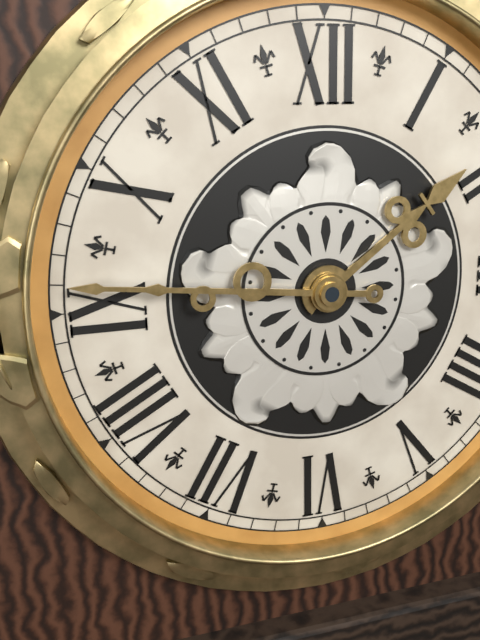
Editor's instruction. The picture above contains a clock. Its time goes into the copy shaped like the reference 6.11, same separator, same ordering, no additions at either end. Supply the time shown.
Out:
1.46
